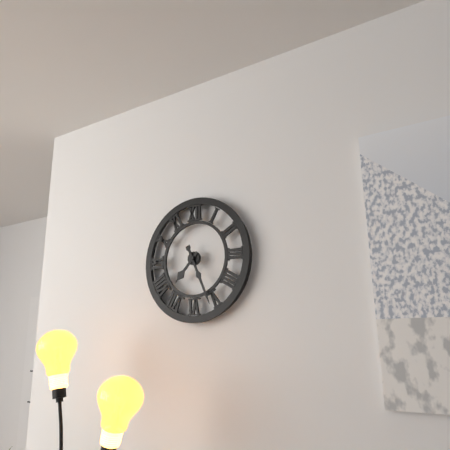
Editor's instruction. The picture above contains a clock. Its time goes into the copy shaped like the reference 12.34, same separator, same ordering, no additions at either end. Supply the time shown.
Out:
7.26
